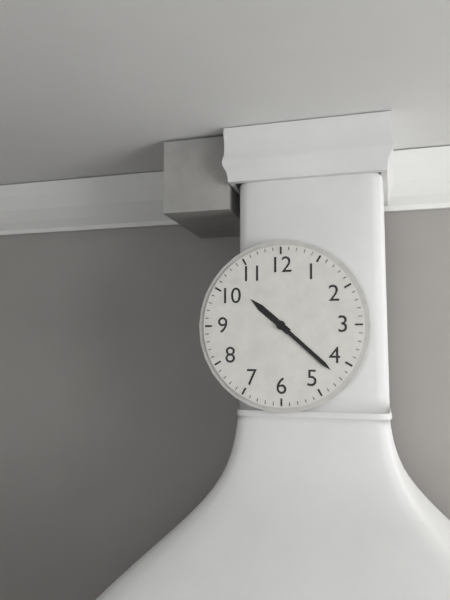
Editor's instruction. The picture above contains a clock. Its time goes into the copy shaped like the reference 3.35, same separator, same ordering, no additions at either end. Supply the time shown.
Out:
10.22
